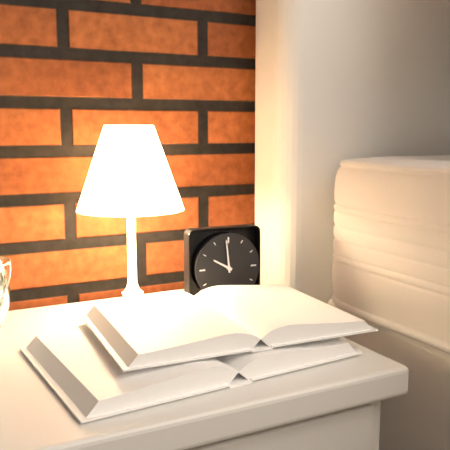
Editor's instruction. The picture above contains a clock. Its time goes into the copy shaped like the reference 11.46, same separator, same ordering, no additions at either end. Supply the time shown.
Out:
9.59
